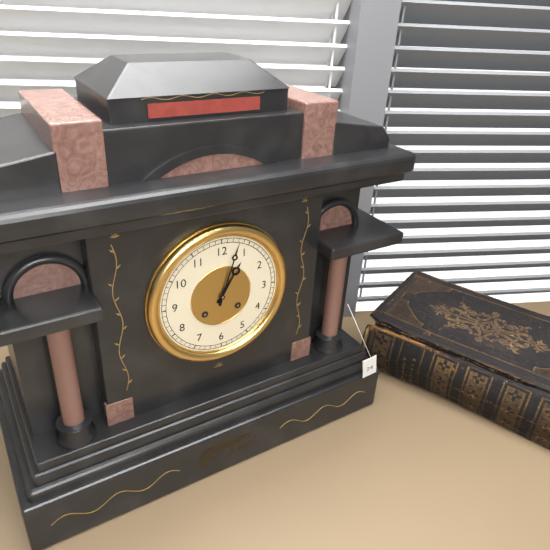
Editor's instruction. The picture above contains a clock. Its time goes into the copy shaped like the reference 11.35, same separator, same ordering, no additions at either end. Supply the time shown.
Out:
1.03
